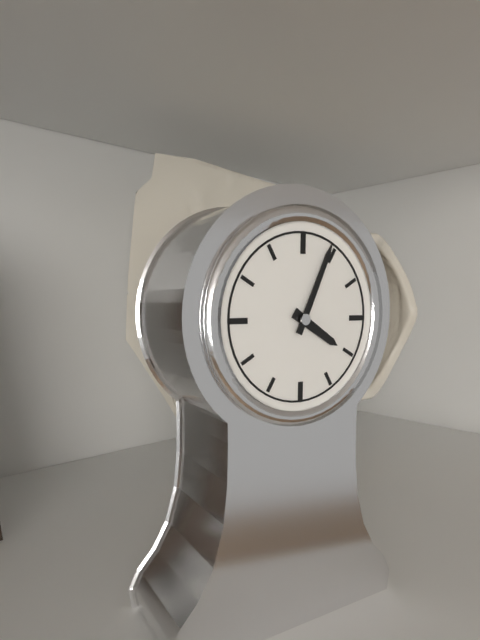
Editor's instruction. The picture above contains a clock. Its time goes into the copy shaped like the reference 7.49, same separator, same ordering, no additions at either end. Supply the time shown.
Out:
4.04
